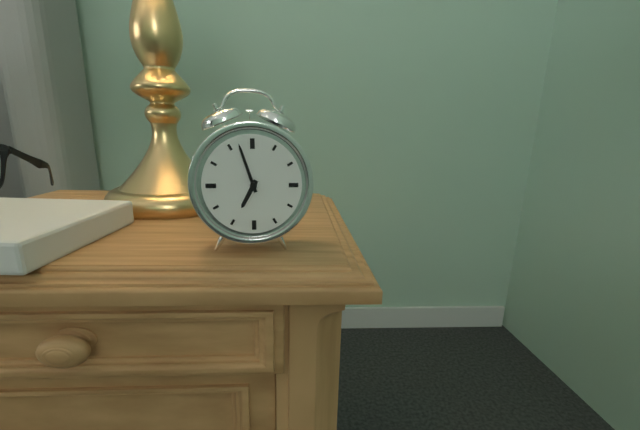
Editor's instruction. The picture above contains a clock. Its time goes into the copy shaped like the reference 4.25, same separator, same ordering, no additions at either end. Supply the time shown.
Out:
6.57
